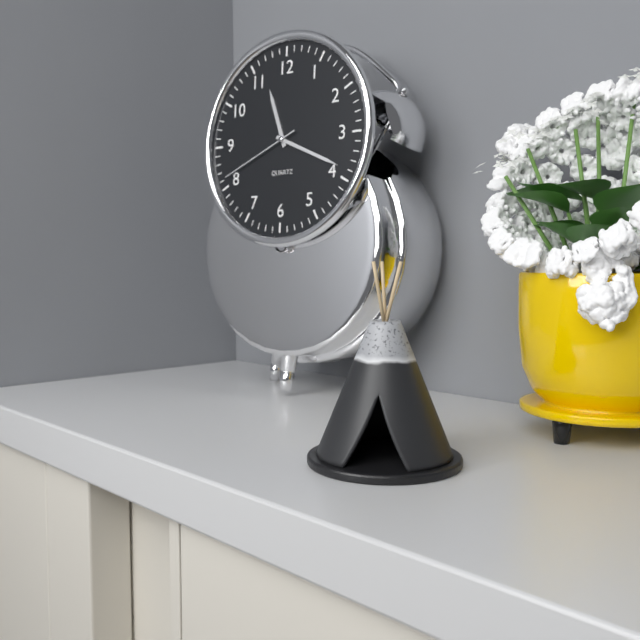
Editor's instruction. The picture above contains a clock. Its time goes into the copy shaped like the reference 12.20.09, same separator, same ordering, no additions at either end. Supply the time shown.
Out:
11.19.41
